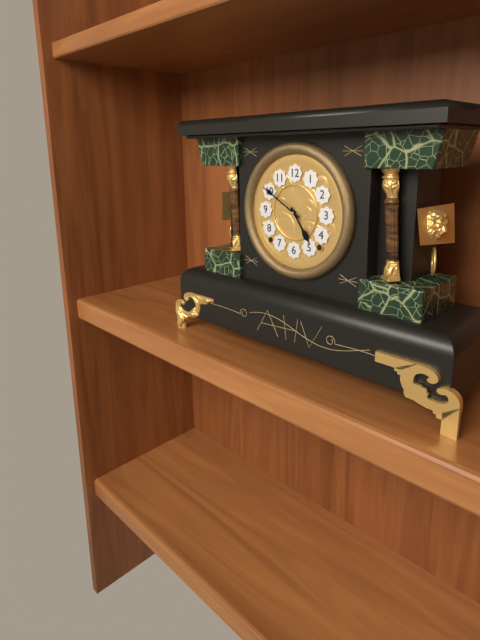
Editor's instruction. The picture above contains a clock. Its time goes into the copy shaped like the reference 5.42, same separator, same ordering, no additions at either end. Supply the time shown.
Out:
4.50
